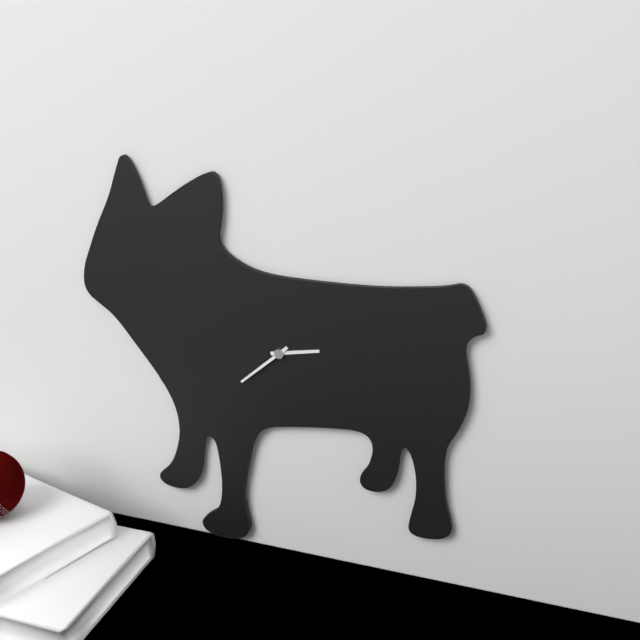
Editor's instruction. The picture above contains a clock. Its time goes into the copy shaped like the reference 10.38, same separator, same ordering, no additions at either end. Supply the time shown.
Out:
2.38
